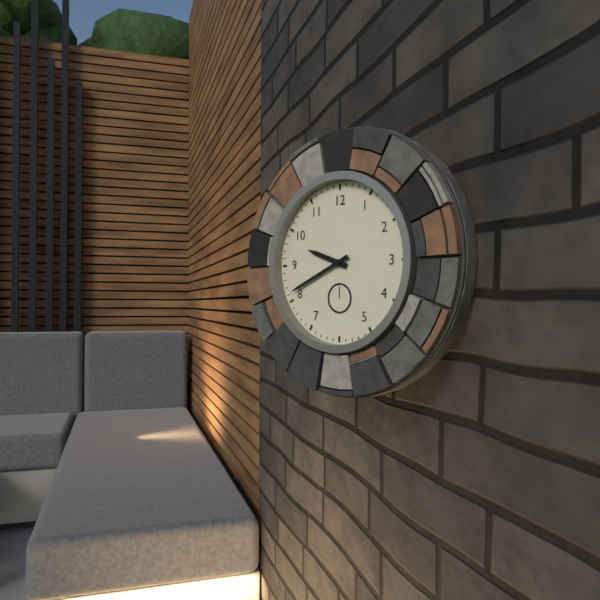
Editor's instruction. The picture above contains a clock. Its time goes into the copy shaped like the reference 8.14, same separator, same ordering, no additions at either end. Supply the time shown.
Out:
9.41
